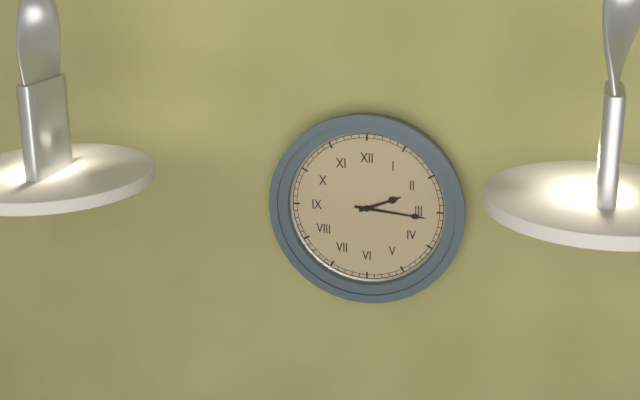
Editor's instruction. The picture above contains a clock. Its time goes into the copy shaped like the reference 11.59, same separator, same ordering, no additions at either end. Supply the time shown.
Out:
2.16
